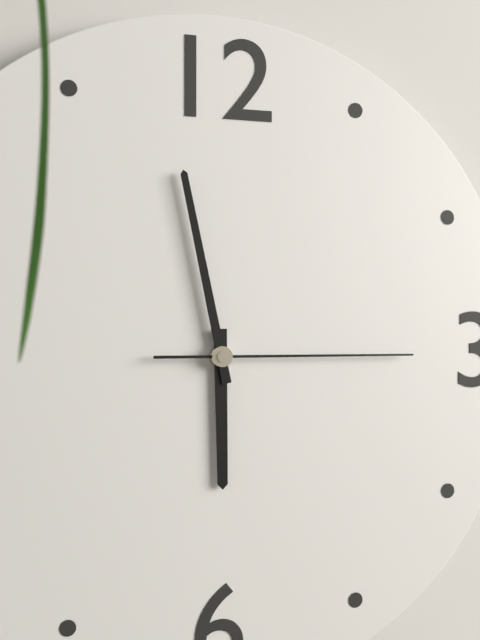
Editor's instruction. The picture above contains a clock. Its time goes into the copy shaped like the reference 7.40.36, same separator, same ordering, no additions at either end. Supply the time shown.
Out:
5.58.15
